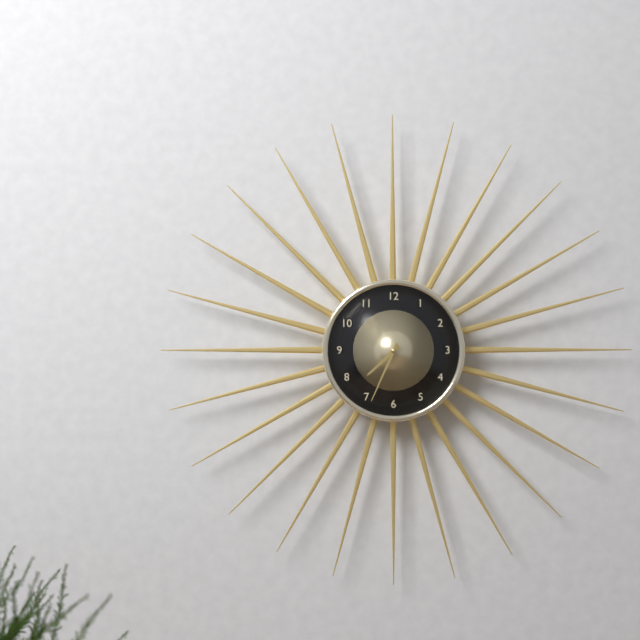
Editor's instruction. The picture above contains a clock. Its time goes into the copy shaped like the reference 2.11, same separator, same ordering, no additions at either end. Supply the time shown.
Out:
7.34
